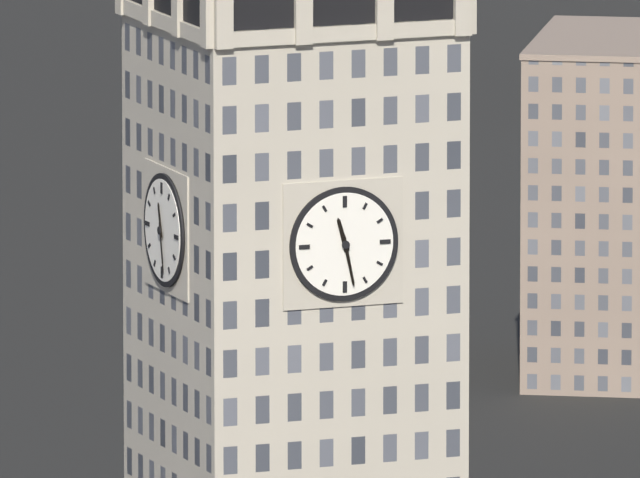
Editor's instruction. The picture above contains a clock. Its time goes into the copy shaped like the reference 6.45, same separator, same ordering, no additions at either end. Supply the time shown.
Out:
11.28
